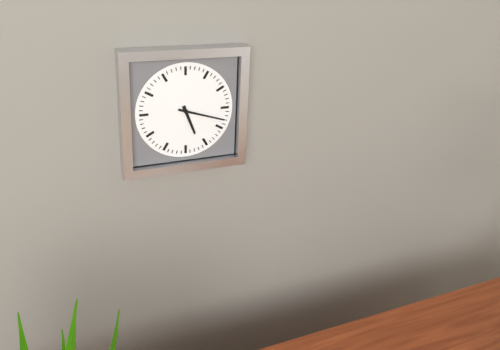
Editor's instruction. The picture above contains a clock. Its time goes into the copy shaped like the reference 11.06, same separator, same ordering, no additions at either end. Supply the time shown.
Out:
5.18
